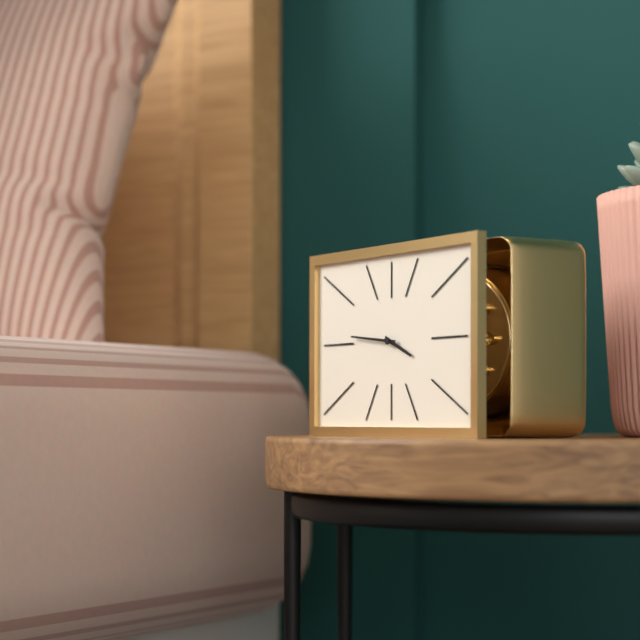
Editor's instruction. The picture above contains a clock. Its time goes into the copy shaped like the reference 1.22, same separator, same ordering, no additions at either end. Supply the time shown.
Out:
3.46
